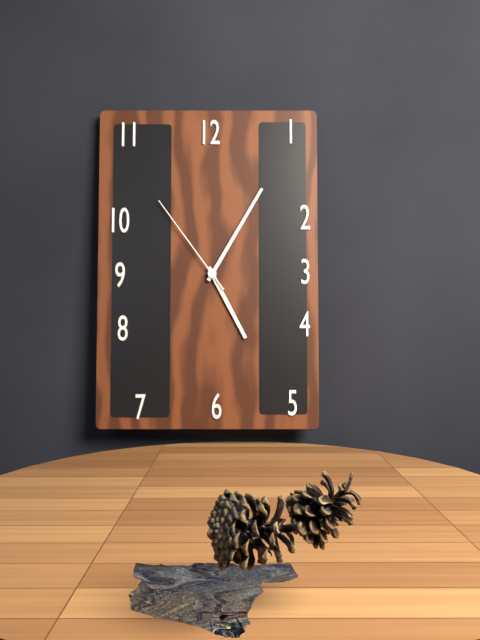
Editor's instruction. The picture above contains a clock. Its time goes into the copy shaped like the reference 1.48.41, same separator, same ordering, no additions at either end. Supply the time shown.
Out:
5.05.54
